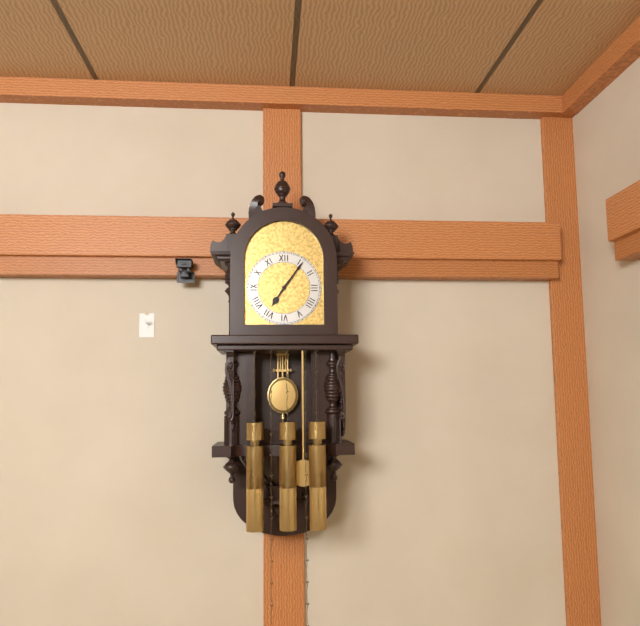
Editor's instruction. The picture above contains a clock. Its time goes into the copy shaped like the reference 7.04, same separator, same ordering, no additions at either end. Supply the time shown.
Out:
7.06
